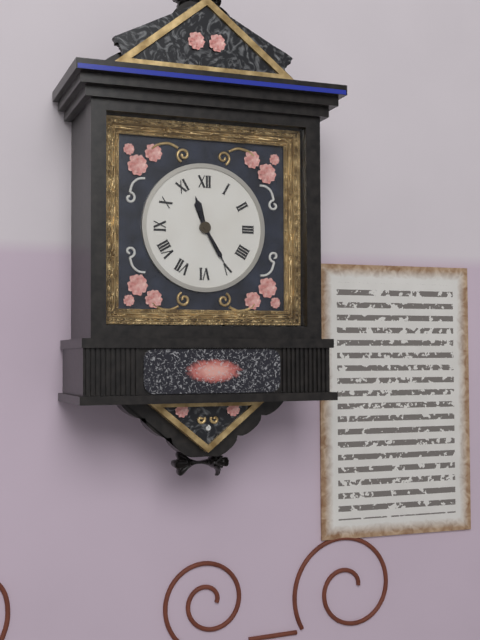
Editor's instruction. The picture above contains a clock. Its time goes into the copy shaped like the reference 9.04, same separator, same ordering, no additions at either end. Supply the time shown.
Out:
11.25
